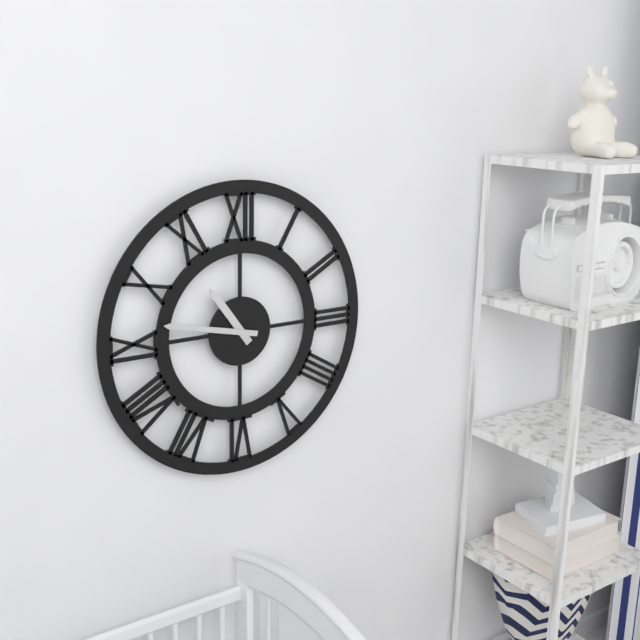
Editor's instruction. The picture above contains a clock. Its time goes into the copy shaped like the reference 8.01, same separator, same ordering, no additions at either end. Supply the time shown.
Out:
10.47
